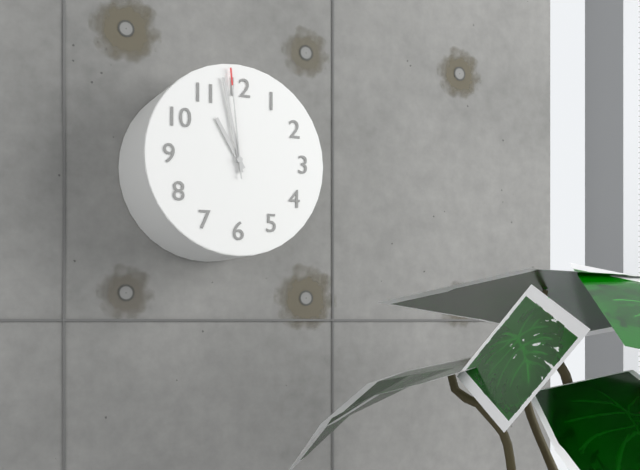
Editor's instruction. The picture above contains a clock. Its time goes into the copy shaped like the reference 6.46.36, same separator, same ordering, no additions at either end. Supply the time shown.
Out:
10.58.59
